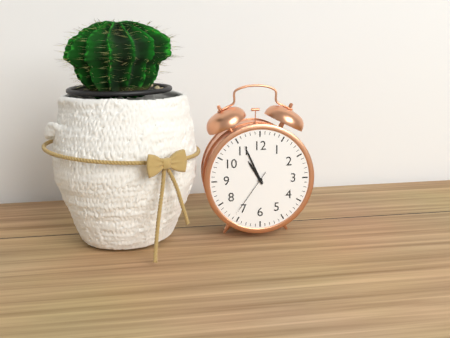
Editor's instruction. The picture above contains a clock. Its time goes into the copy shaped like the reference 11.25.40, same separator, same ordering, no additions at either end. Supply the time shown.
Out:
10.56.36
